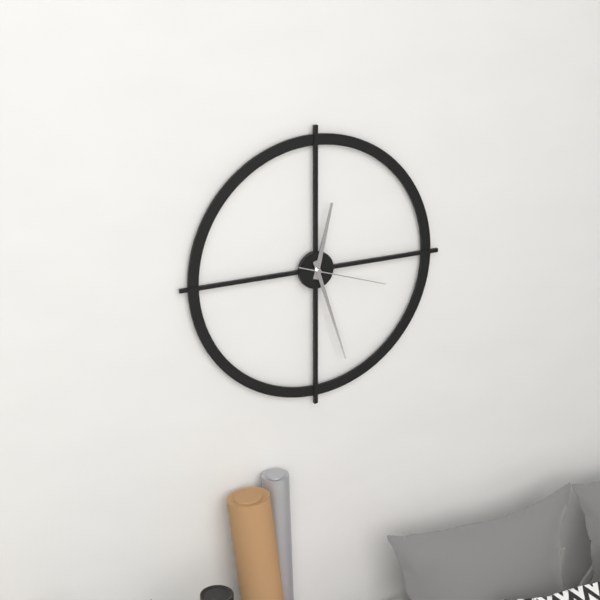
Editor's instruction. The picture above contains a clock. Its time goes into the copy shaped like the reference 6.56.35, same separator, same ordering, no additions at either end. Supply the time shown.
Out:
12.27.18
